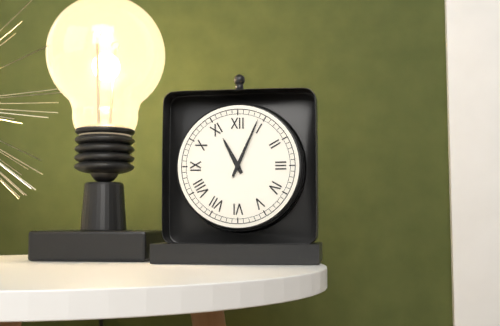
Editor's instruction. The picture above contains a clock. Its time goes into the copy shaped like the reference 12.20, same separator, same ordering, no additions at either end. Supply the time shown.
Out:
11.04
